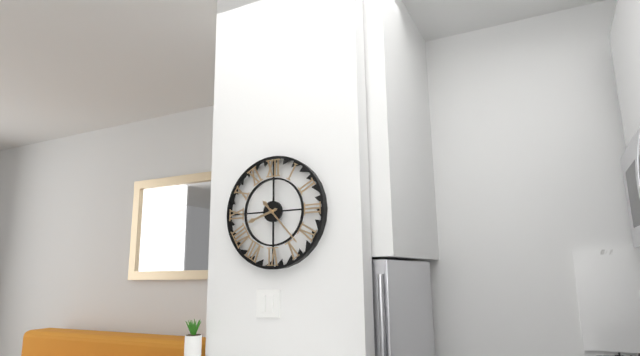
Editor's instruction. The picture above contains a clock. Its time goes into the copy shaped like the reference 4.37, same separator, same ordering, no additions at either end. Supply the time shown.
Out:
8.23
